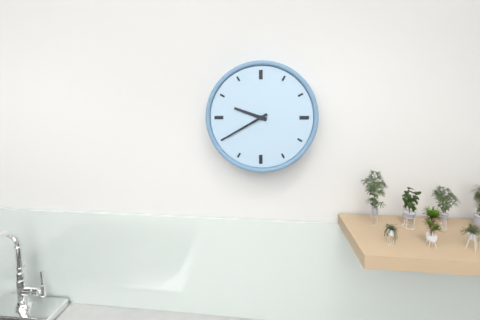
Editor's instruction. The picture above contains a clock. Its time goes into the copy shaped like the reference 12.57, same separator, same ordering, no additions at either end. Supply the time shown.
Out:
9.40
